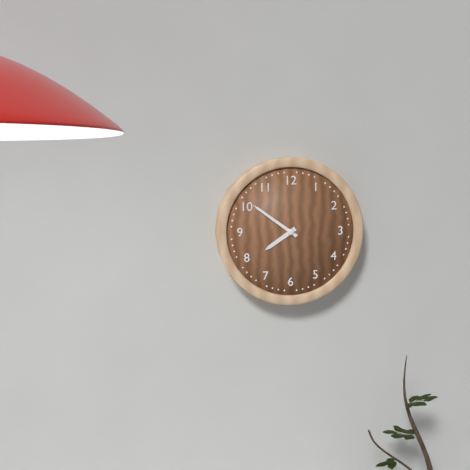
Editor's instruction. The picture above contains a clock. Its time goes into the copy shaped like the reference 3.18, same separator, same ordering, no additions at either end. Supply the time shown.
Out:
7.51
